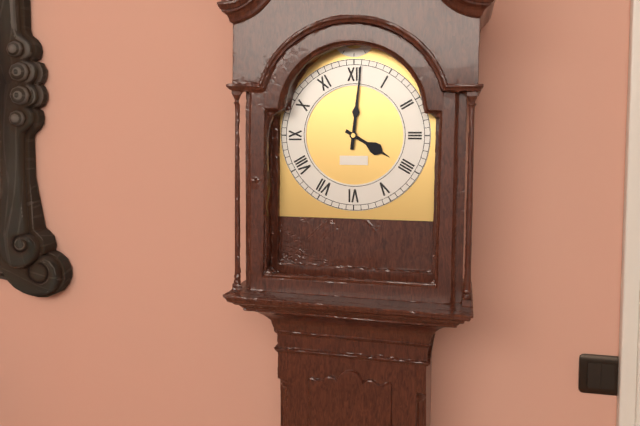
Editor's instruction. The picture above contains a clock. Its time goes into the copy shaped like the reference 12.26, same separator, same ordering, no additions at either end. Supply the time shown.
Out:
4.01
